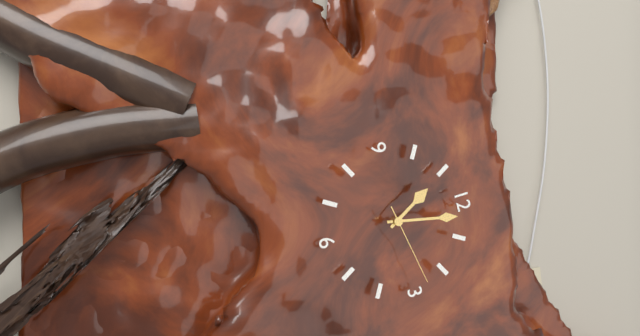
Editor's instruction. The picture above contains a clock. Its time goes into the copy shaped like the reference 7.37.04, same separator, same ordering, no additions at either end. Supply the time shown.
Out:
11.02.13
